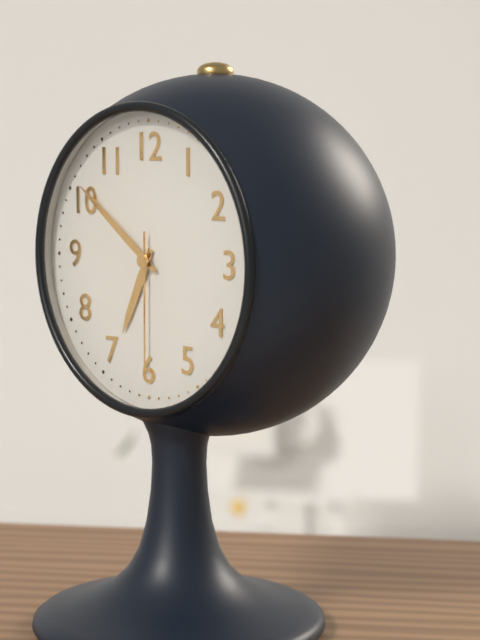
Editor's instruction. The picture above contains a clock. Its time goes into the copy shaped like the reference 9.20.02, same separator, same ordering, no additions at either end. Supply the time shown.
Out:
6.51.30
